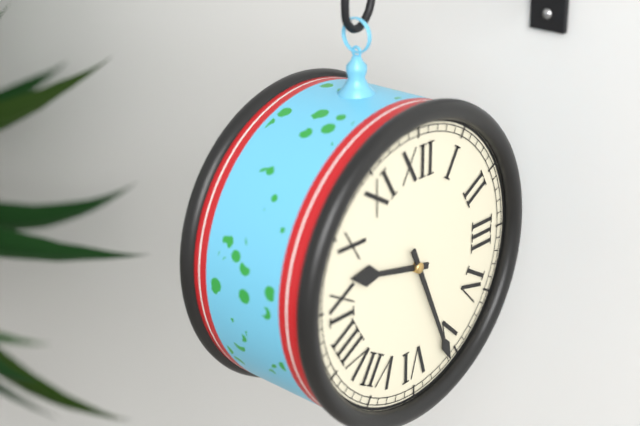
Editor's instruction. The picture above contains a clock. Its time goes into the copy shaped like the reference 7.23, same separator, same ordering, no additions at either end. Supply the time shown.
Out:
9.26
